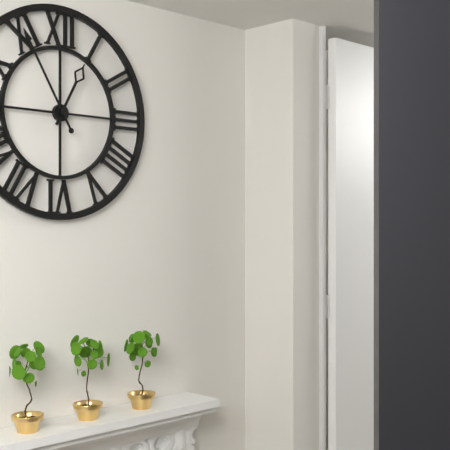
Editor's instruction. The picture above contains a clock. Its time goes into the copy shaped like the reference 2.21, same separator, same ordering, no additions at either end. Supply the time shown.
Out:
12.55
